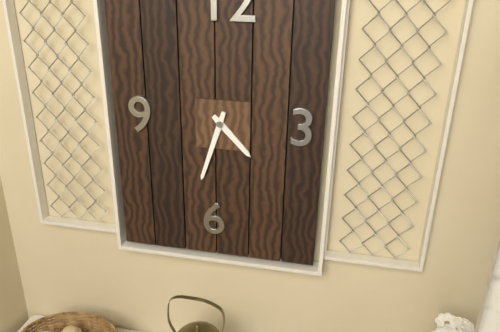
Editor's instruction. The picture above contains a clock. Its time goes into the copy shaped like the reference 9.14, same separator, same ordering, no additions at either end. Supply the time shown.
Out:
4.33
